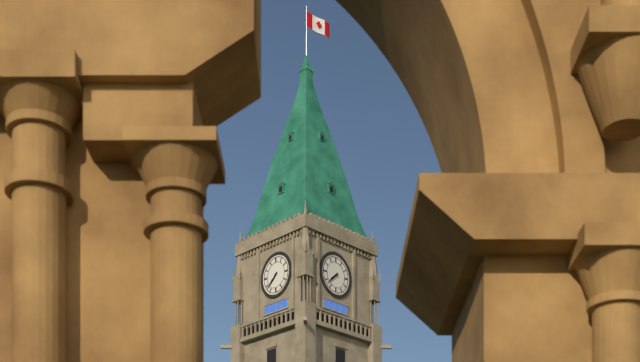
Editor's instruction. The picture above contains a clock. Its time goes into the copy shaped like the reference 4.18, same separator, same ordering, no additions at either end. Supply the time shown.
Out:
7.38
